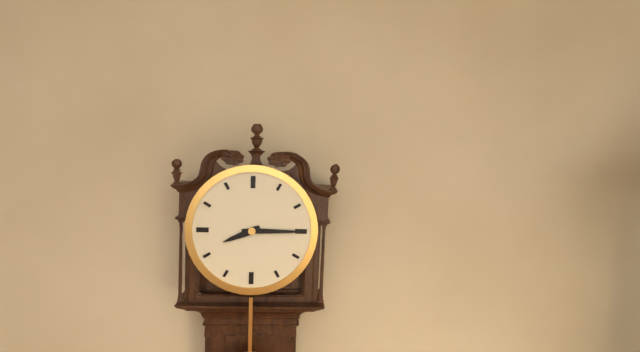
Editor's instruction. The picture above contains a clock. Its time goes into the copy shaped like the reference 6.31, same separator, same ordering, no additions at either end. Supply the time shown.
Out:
8.15
